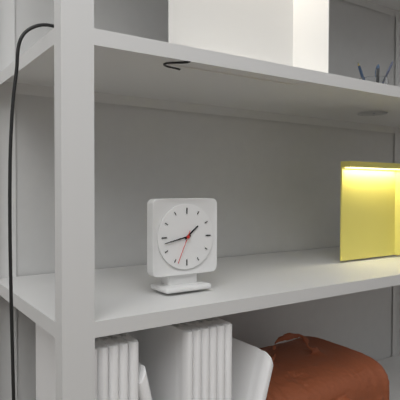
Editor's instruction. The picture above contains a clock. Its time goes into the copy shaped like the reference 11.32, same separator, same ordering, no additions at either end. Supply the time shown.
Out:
1.43
